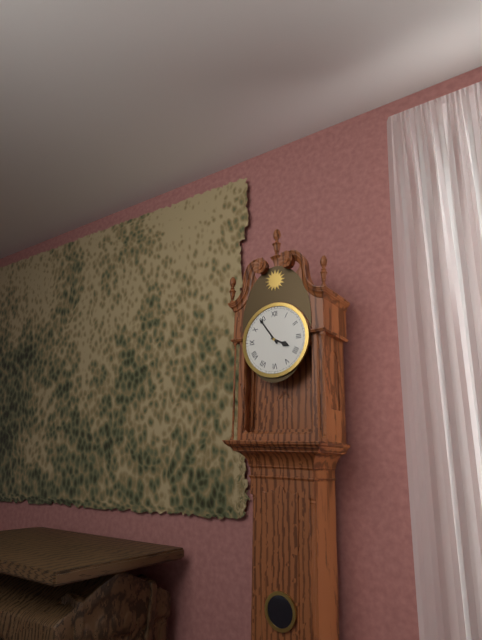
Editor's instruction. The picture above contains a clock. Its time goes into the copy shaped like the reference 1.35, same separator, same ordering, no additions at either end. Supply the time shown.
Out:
3.54
